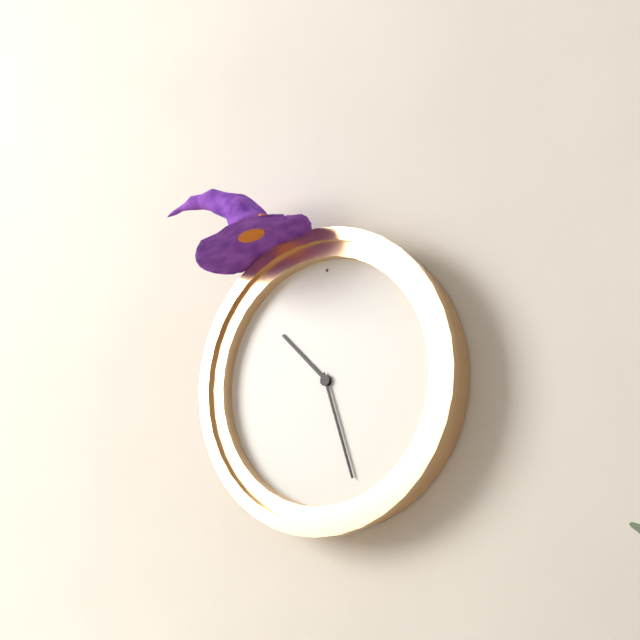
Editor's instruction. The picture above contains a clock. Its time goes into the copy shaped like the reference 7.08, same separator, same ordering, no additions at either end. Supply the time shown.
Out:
10.27
